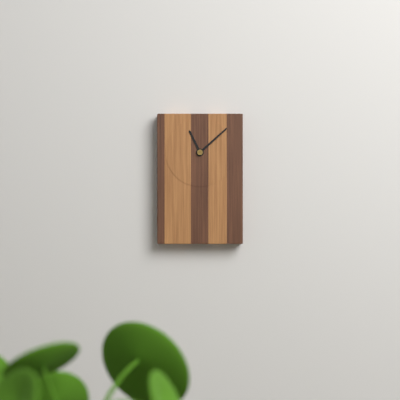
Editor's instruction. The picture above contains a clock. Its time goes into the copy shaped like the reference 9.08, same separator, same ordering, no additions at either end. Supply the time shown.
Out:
11.08
